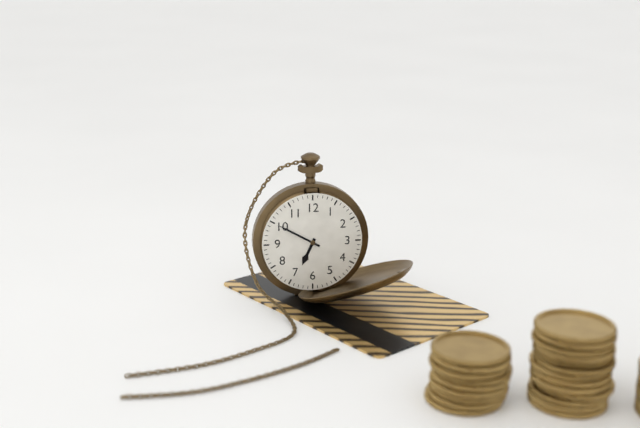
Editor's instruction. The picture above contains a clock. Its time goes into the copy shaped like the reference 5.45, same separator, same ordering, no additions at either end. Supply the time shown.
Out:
6.50
